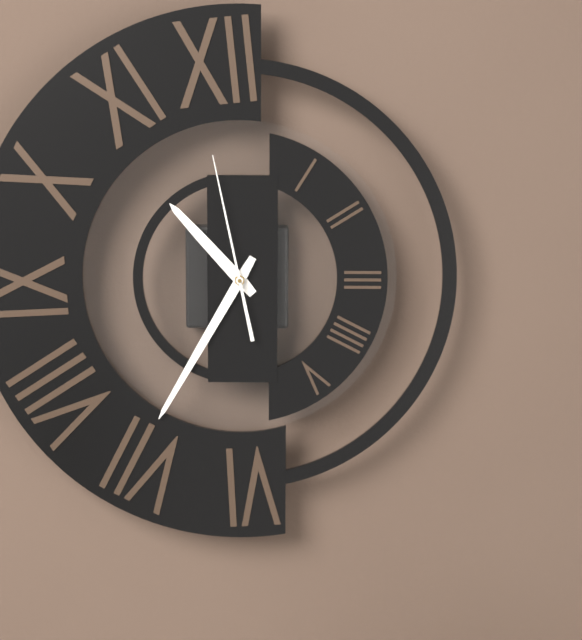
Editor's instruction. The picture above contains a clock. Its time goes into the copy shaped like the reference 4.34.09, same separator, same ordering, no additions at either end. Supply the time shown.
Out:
10.35.58
